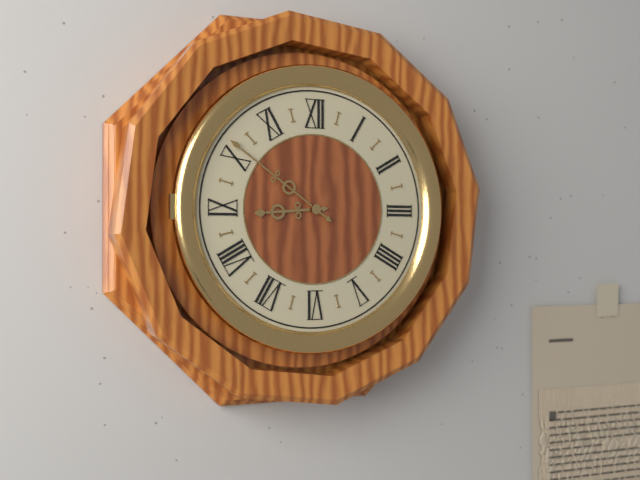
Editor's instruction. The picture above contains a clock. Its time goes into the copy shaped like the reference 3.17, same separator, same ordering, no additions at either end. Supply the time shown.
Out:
8.51
